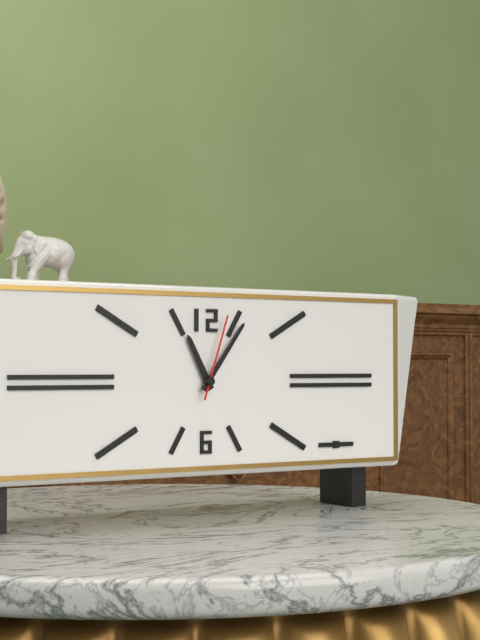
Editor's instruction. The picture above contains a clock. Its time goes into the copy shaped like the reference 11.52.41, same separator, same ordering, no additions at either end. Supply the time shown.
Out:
11.06.03
